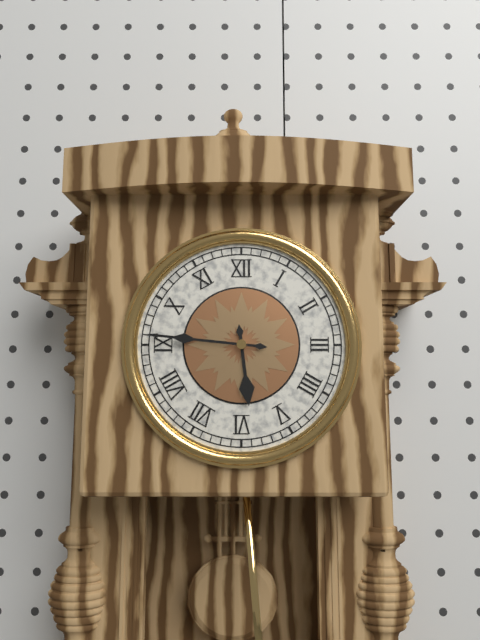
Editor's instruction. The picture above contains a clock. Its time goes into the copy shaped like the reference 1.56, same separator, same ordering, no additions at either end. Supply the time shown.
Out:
5.46
